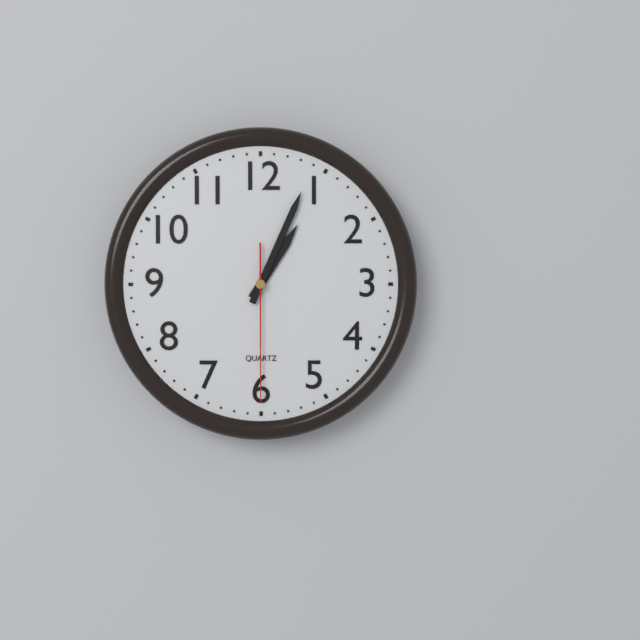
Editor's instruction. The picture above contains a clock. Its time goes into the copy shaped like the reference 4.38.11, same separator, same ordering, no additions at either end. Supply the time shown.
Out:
1.04.30
